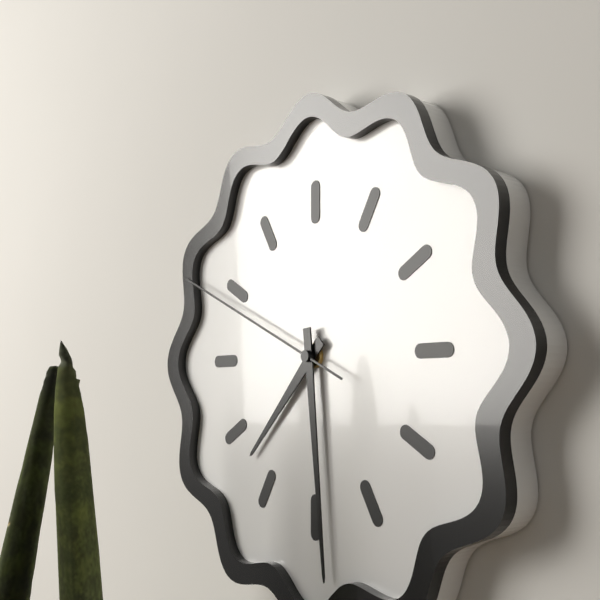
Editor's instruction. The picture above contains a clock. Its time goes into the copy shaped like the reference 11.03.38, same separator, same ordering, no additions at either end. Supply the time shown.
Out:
7.29.49
